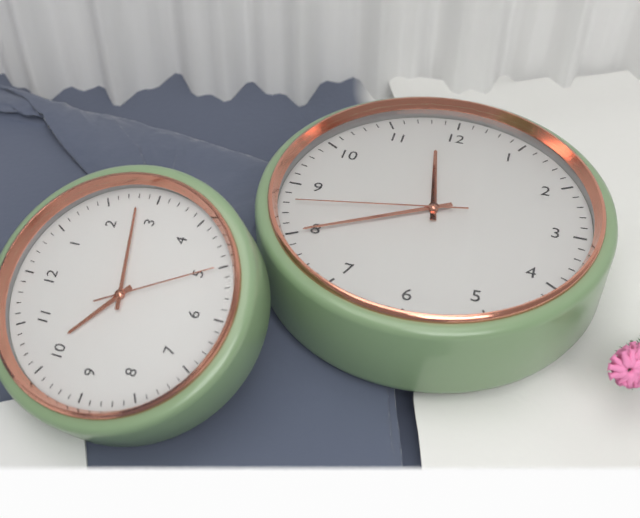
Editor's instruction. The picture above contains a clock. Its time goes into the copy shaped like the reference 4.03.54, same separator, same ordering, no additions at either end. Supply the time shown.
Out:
11.40.43
